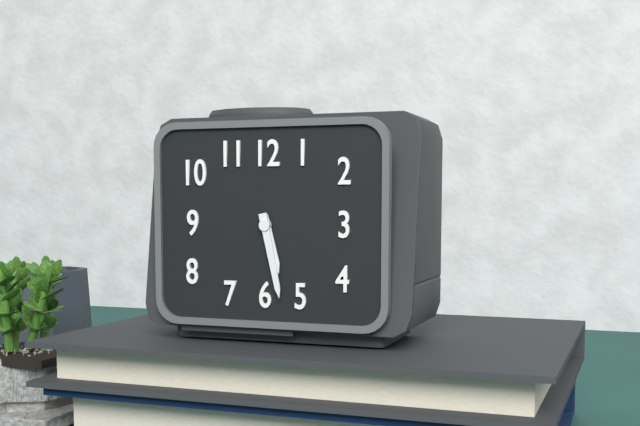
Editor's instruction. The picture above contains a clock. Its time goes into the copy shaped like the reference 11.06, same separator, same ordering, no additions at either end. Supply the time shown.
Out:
5.28
